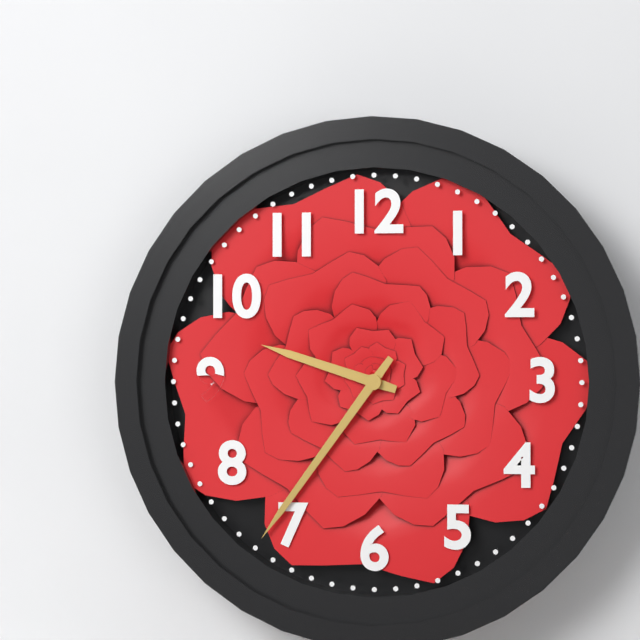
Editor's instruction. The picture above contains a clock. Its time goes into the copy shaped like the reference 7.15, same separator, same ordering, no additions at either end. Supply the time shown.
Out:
9.36
